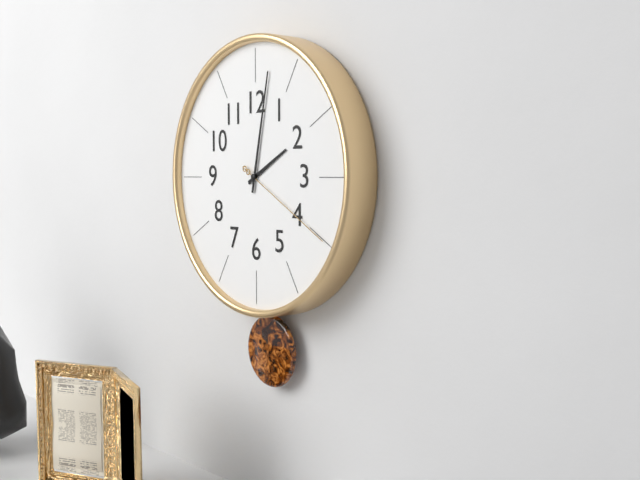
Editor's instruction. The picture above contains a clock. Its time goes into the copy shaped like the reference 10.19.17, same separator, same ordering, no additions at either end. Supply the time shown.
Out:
2.02.20
